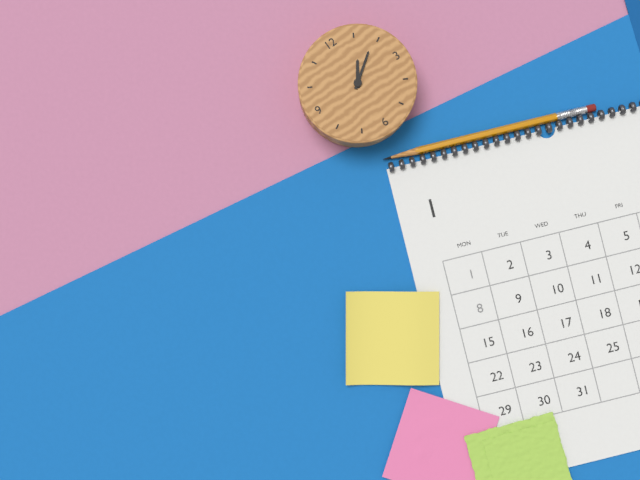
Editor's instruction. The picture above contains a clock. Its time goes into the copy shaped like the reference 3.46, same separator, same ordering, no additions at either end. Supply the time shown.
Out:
1.09
